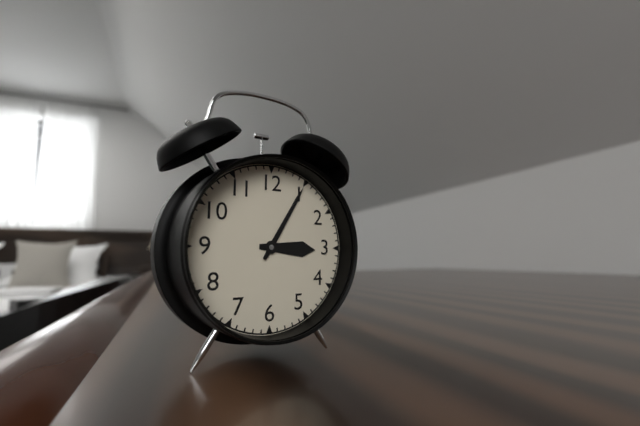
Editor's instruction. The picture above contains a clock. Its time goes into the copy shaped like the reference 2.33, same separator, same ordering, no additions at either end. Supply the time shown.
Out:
3.05
